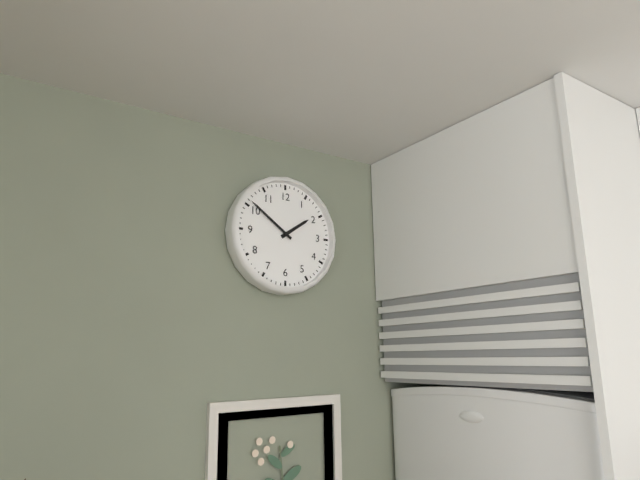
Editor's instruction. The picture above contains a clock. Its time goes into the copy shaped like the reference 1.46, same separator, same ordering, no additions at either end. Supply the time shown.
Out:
1.51
